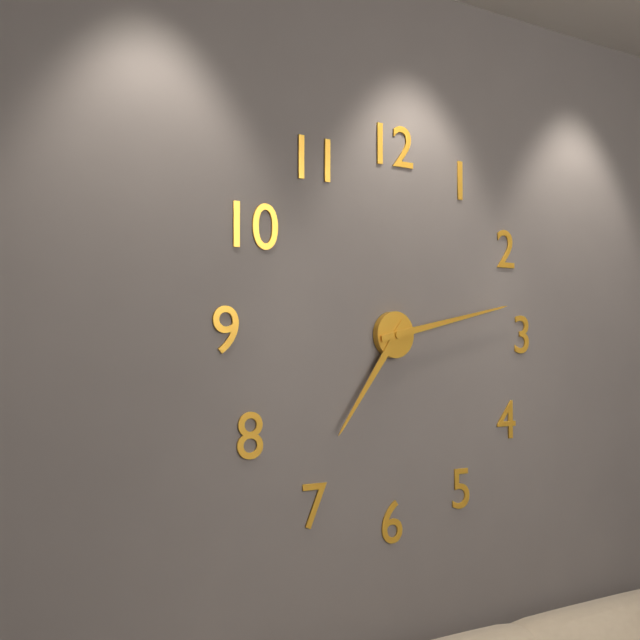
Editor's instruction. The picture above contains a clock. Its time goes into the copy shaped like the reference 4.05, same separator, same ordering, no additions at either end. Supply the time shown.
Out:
7.13
